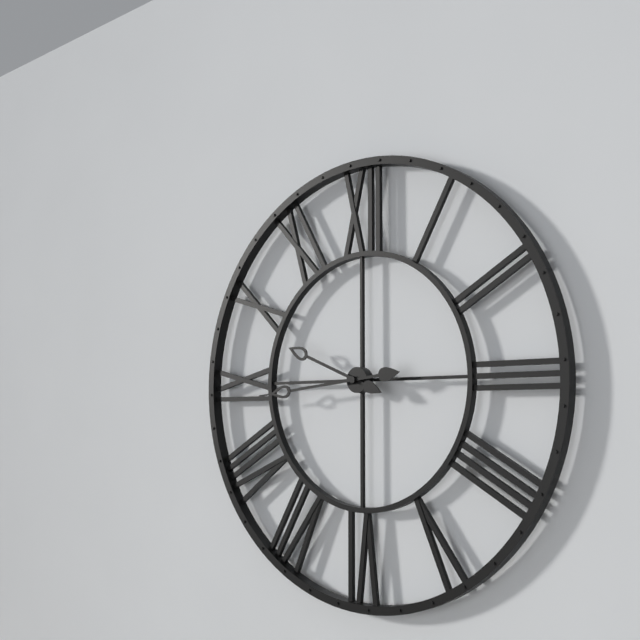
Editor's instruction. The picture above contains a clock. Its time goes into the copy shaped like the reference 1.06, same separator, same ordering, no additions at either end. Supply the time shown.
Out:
9.44
